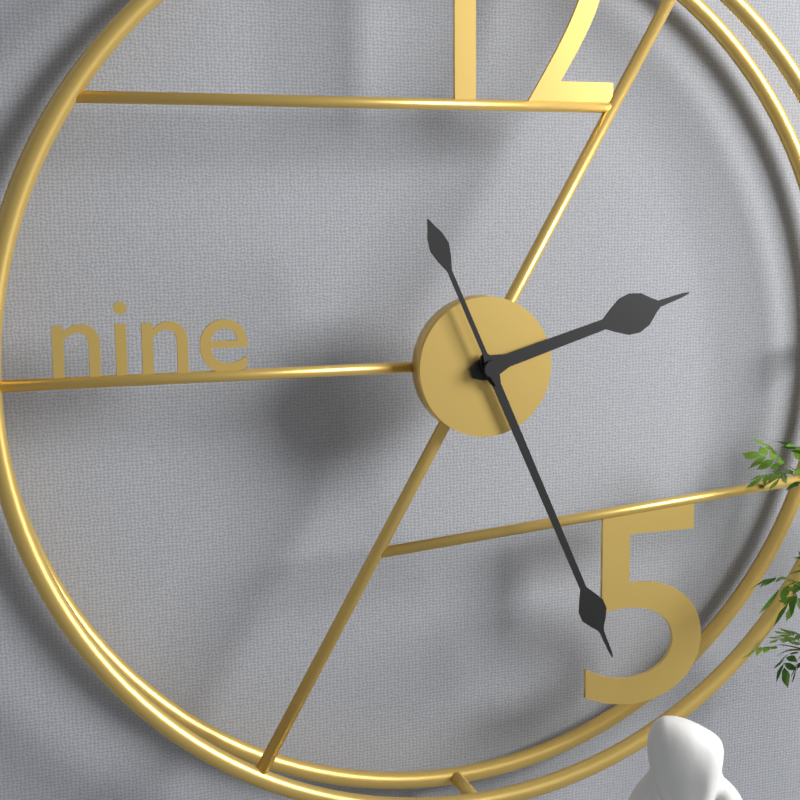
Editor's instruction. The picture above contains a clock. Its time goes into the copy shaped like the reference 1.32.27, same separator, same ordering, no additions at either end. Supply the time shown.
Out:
2.26.56
